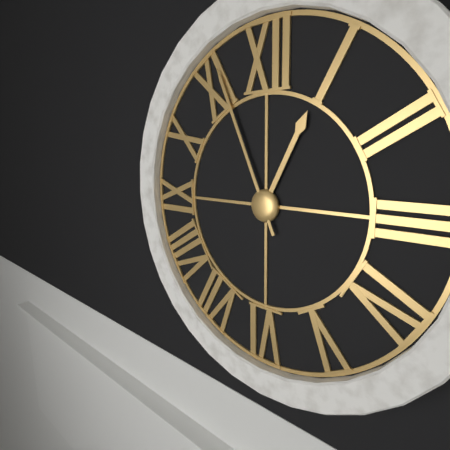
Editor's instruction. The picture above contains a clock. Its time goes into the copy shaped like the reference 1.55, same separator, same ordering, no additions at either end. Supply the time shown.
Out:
12.56
